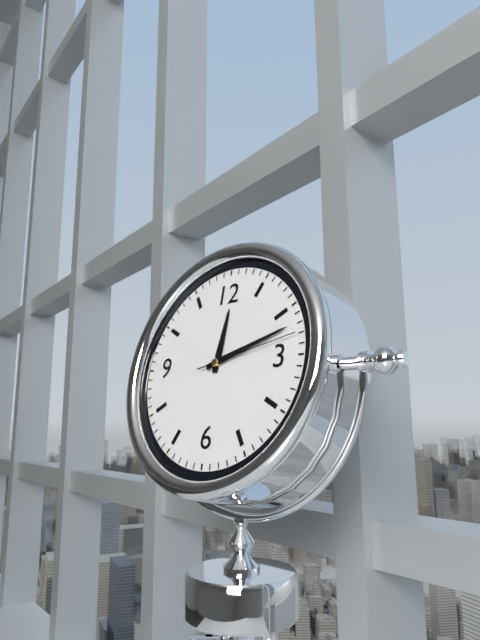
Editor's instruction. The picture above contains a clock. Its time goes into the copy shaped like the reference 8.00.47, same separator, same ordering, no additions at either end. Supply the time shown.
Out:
12.12.13
